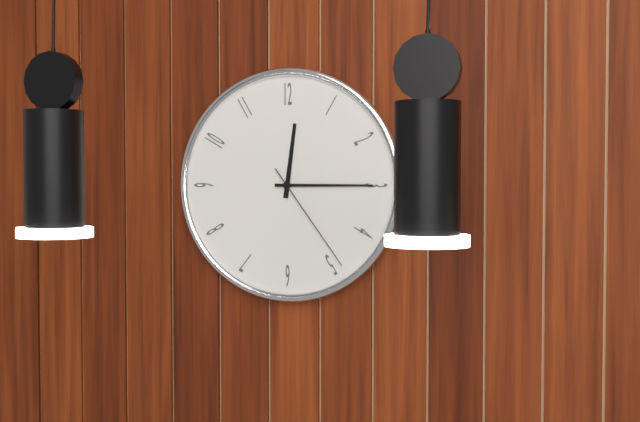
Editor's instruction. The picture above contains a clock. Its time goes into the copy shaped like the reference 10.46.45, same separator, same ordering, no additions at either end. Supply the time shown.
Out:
12.15.24
